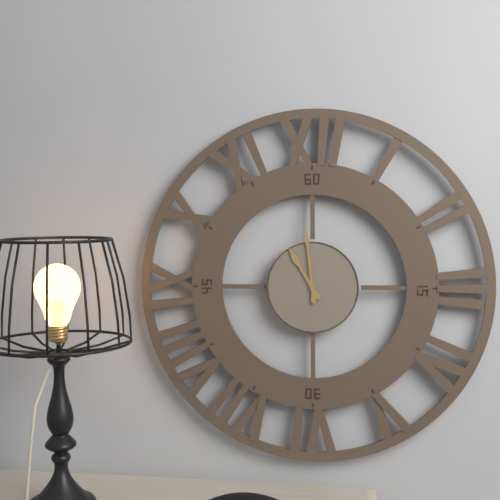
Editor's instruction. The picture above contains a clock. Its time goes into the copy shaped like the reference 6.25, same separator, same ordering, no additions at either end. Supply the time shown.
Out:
10.59
